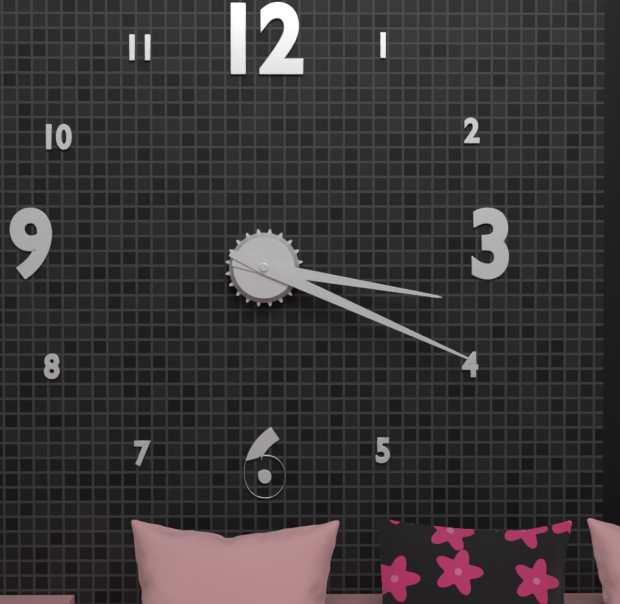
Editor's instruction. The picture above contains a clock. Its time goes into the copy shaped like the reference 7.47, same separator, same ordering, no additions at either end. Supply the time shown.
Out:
3.19
